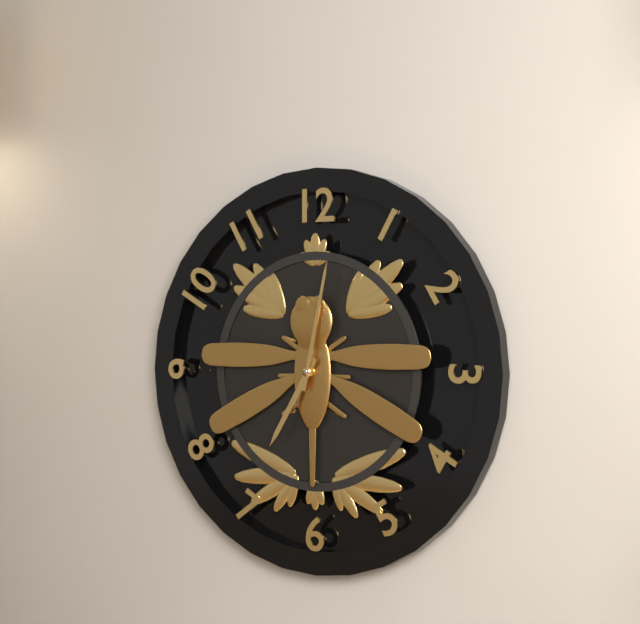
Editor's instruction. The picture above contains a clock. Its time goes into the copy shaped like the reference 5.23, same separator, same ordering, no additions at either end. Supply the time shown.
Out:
7.02
